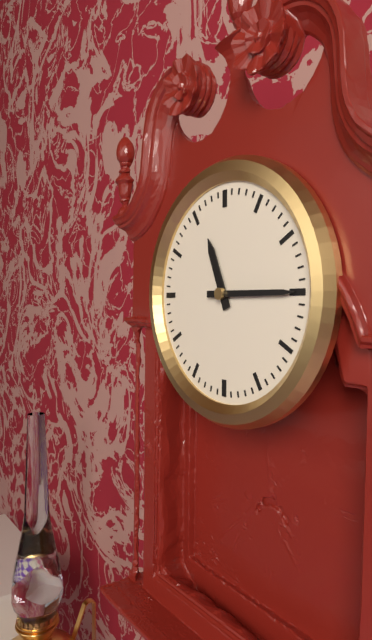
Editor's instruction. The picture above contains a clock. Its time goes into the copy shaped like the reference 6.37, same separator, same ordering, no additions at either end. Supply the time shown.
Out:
11.15
